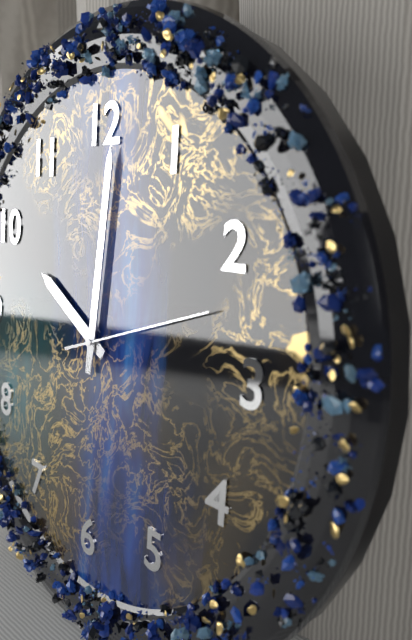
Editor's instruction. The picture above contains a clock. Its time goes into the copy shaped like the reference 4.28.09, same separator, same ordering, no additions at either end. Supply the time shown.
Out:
10.01.12
